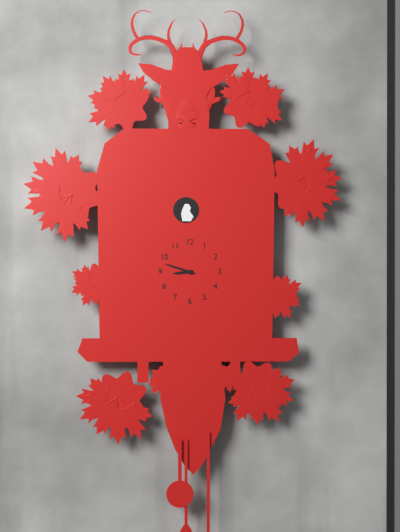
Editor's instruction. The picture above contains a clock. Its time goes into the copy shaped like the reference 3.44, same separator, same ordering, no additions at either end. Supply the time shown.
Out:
8.48
